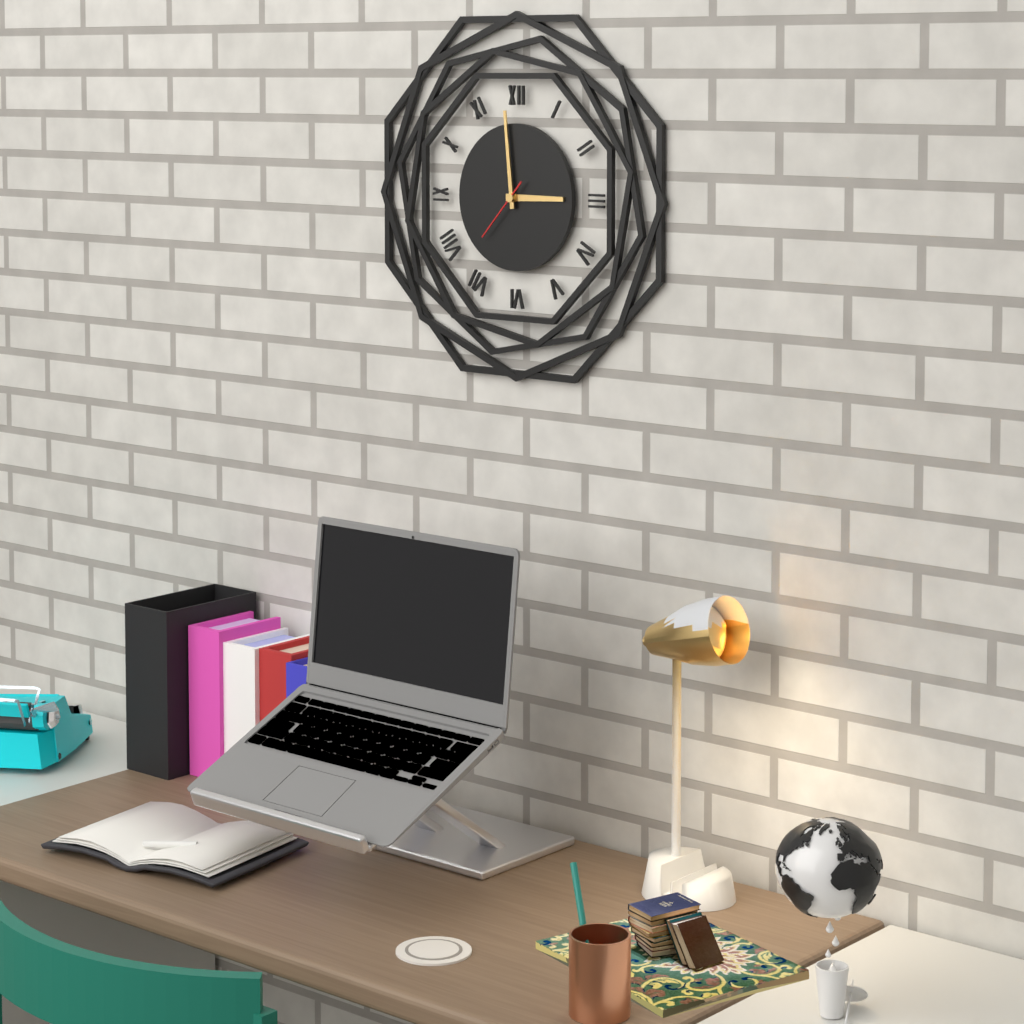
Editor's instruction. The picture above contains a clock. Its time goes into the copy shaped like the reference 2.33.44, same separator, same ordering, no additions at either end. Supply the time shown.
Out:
2.59.37
